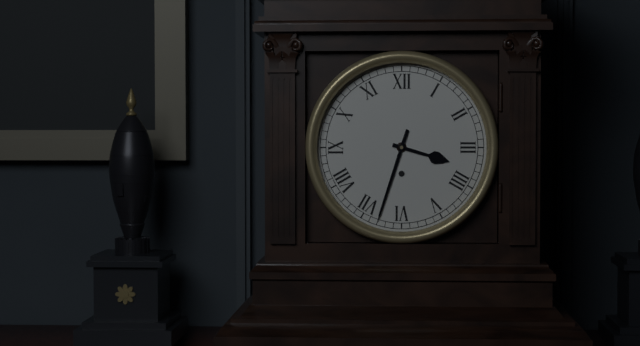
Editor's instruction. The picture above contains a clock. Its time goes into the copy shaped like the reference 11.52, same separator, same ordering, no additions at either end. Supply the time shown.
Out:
3.33
